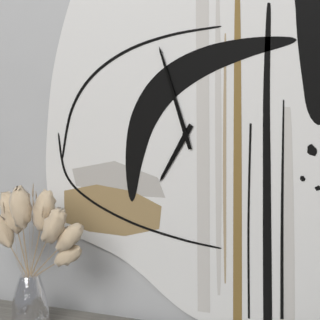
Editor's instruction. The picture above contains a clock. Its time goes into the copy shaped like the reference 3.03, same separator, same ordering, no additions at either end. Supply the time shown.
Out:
6.57
